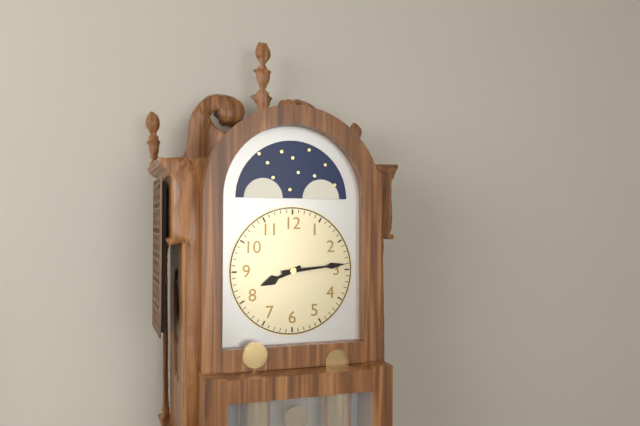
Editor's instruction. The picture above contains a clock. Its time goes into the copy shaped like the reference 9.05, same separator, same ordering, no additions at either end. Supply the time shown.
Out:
8.14
